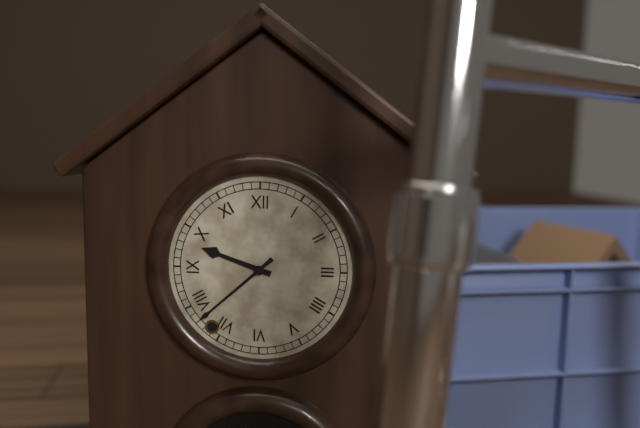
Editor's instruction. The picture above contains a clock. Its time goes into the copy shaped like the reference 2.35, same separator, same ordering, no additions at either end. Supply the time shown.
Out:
9.38
